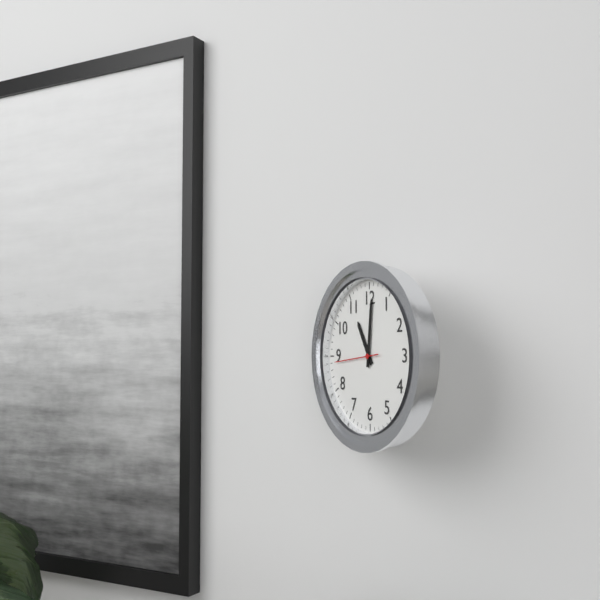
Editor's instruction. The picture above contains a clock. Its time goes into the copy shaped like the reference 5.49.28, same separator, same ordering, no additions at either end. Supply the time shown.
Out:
11.01.44
